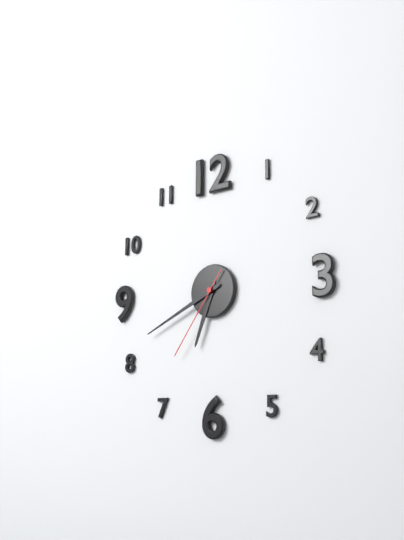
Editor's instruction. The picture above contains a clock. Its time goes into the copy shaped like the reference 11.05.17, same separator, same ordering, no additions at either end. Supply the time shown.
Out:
6.41.36
